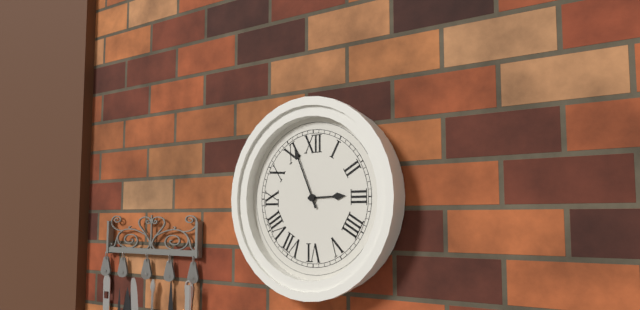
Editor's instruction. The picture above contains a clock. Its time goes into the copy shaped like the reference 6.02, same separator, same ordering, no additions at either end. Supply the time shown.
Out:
2.56
